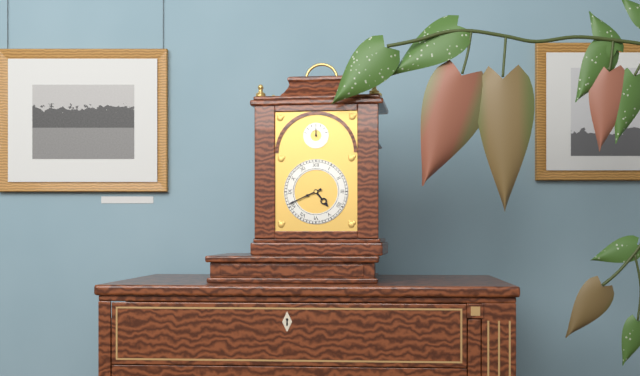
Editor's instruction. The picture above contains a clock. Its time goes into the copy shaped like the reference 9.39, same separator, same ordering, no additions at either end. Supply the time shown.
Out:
4.41
